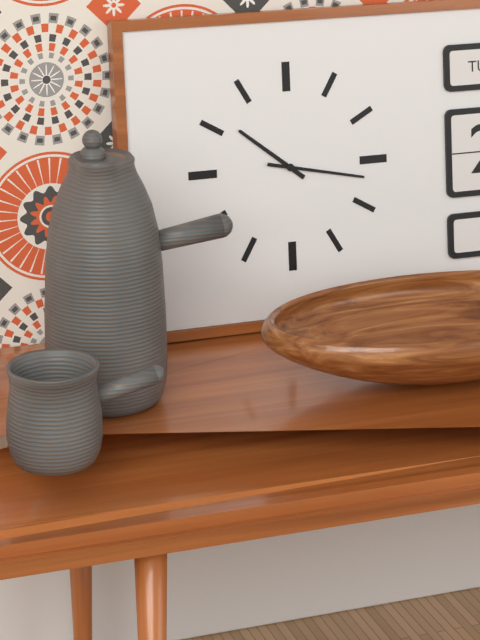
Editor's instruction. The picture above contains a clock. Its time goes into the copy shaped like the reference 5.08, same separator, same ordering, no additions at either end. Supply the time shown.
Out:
10.17
